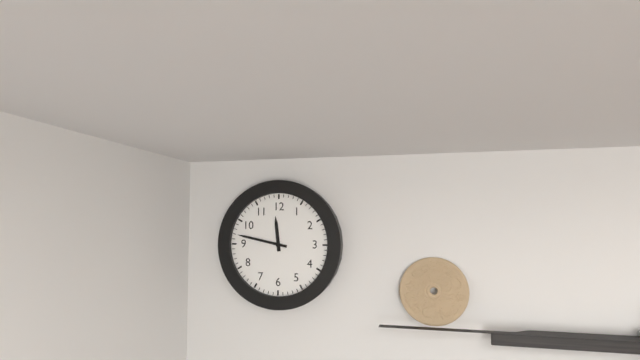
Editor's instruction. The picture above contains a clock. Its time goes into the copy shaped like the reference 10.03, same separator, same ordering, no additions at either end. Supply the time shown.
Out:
11.47
